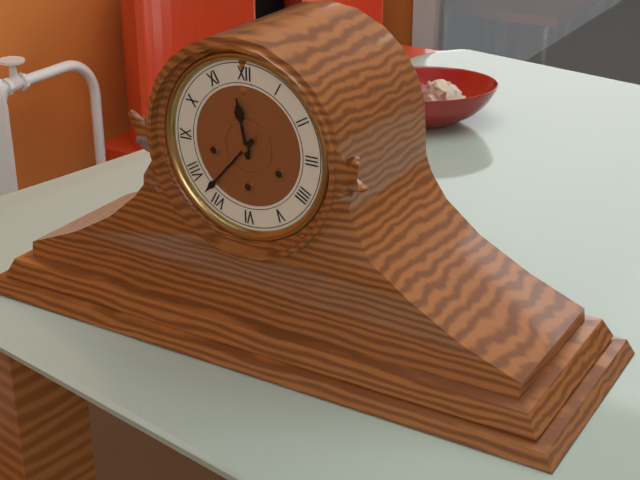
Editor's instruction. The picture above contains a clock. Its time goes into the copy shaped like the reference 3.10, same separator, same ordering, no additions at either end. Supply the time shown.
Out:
11.37
